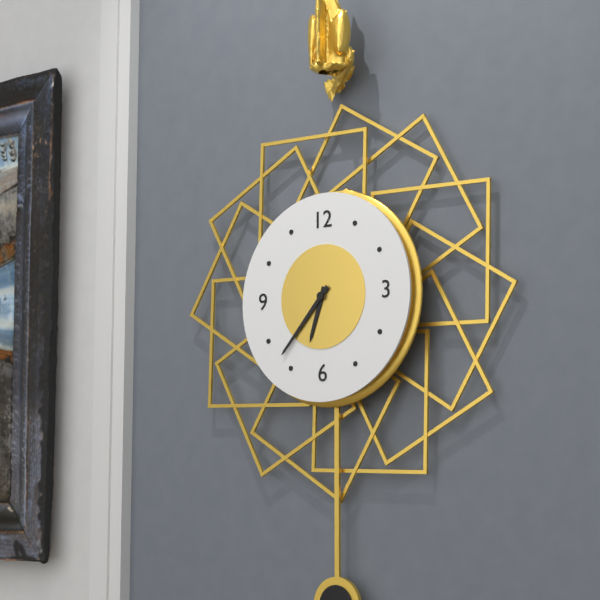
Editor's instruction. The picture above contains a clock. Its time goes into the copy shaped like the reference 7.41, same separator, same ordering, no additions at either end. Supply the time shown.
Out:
6.37
